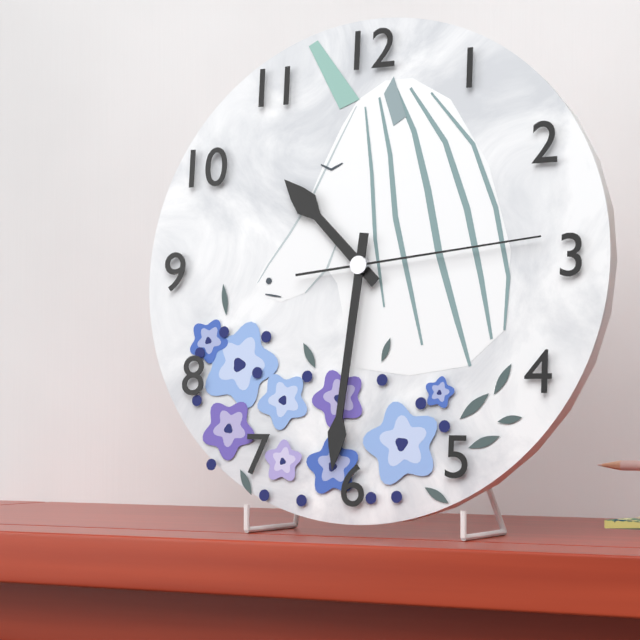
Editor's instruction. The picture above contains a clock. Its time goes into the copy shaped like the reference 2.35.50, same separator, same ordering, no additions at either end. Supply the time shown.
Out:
10.31.14
